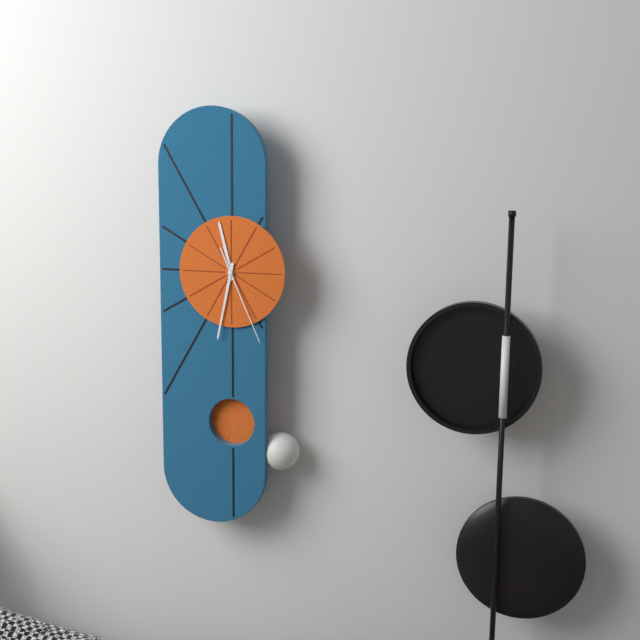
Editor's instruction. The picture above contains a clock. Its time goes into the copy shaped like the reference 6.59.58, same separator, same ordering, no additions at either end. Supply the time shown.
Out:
11.32.26
